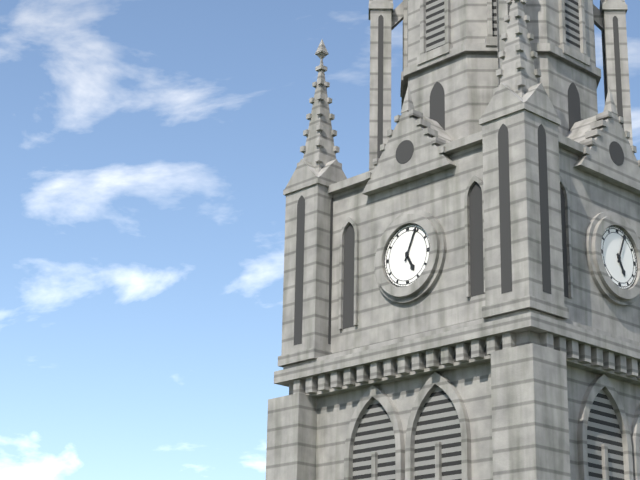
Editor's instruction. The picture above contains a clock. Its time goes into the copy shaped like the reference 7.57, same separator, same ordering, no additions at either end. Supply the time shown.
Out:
5.04
